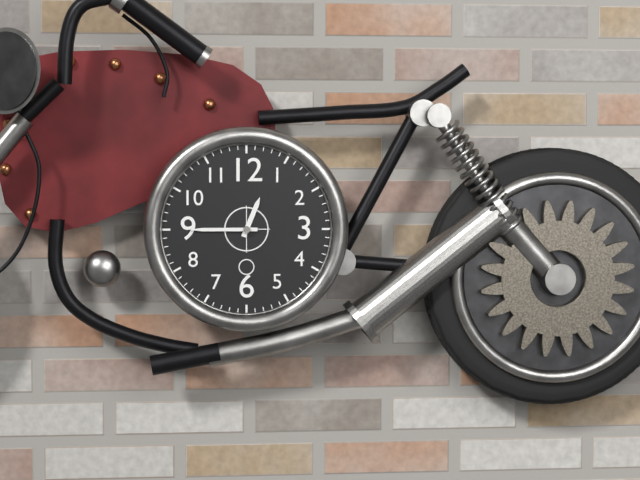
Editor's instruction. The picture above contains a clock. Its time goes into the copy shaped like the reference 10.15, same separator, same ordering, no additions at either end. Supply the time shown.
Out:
12.45
